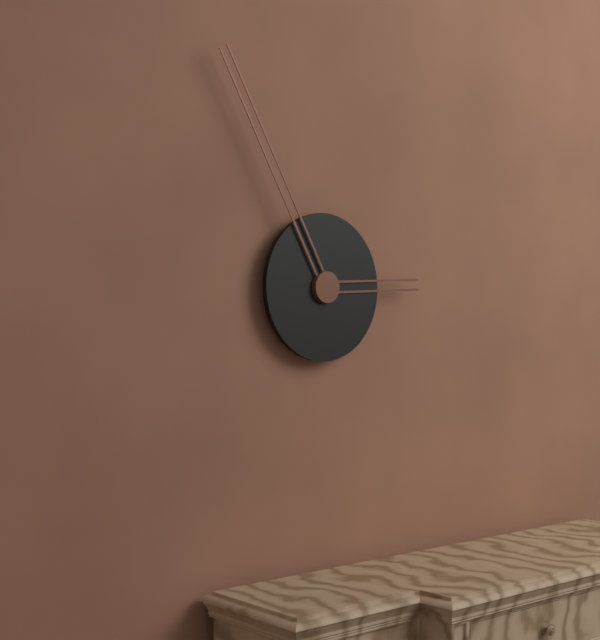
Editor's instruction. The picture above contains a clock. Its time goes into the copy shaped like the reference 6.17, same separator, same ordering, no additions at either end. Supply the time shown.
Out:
2.55
